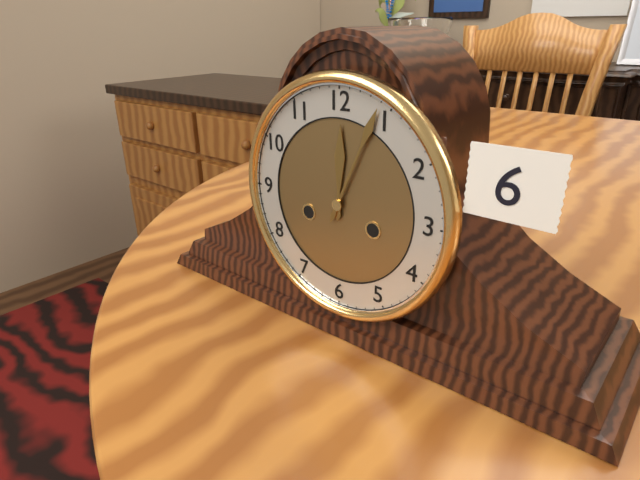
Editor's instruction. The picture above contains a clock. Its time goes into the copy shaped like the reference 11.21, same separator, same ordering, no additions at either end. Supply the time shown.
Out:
12.04
